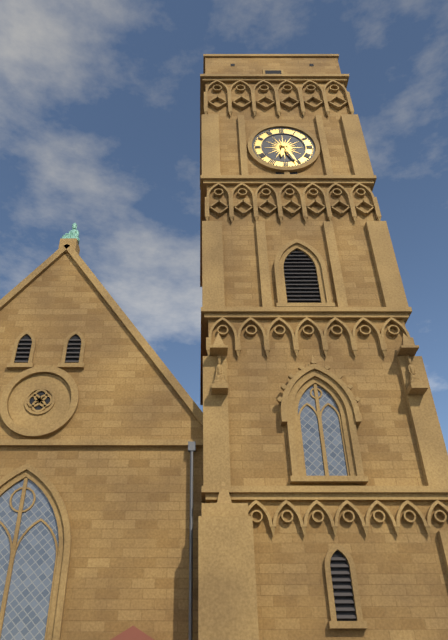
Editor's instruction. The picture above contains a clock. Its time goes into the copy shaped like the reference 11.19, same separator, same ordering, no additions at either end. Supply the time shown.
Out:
6.26
